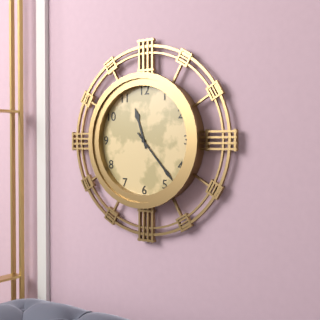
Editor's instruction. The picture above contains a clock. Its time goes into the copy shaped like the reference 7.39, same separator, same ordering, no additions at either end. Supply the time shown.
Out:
11.23
